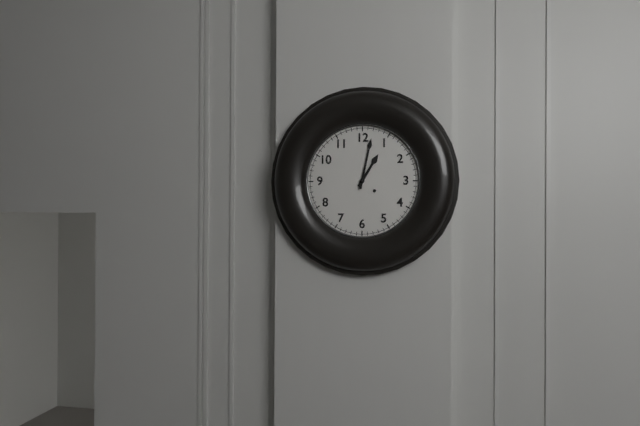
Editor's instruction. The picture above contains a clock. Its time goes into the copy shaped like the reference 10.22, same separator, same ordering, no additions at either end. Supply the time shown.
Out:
1.02
